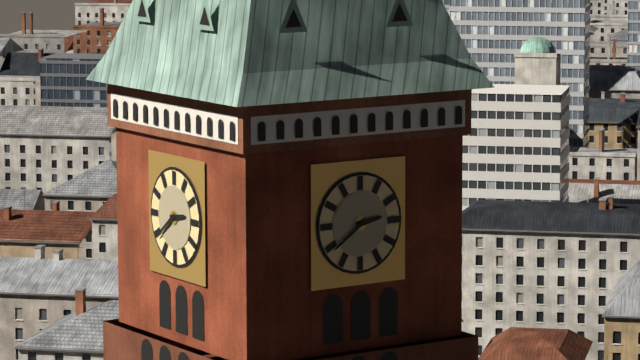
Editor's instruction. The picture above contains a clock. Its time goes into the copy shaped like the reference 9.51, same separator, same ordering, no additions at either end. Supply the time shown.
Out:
2.39
